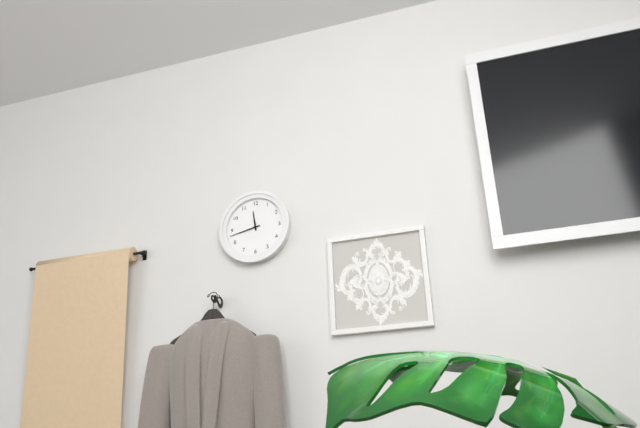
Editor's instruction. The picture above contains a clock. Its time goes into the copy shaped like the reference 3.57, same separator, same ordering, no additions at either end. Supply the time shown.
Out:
11.43
